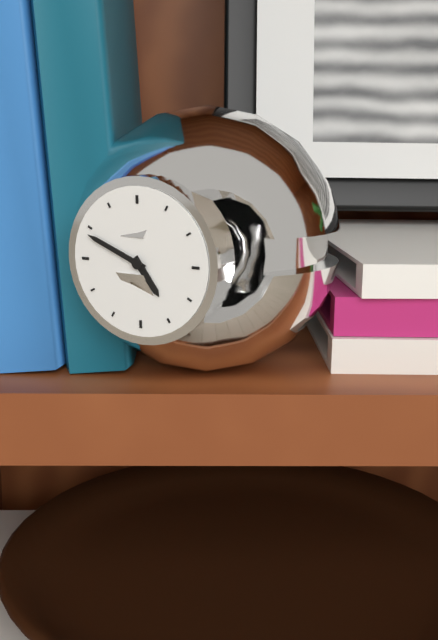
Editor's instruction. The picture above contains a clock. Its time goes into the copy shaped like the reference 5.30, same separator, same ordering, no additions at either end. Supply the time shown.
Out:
4.49
